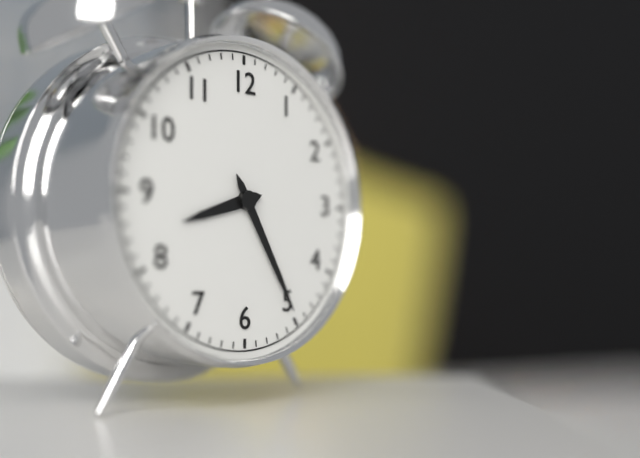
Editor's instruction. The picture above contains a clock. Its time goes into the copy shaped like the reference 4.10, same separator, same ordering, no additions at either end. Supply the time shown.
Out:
8.25
